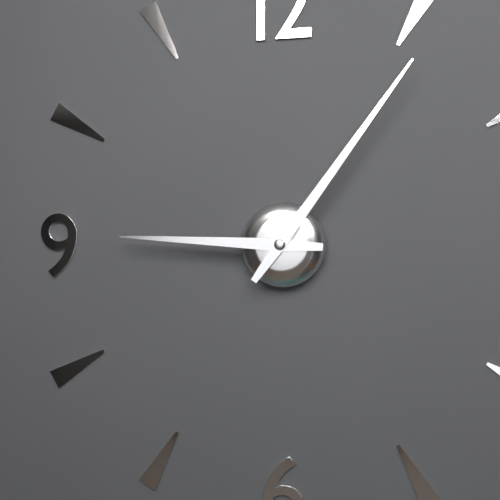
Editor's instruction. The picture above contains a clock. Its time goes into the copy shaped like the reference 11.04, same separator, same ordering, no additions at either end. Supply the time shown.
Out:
9.06
